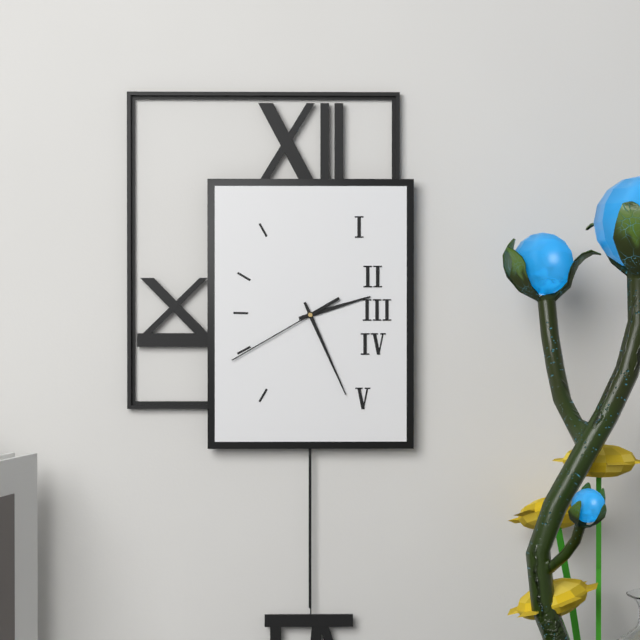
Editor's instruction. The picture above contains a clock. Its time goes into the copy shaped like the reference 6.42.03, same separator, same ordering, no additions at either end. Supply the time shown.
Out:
2.26.40
